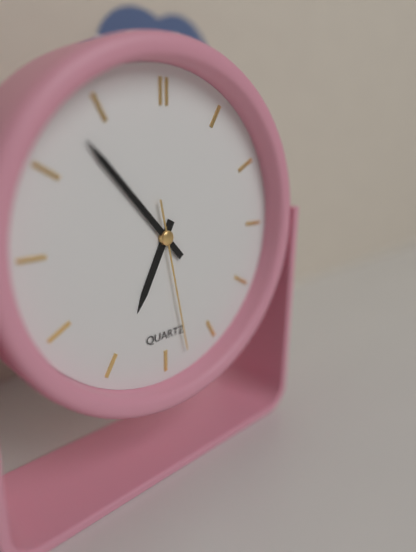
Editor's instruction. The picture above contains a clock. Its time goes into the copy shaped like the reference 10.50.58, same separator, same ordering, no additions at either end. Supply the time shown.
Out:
6.53.28
